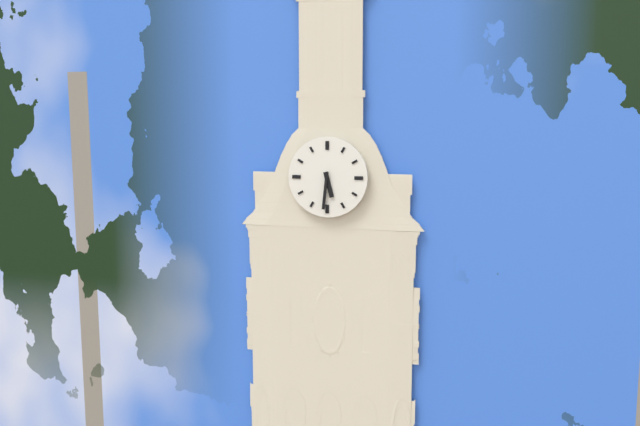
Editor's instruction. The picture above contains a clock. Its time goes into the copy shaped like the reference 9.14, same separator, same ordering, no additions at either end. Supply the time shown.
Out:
5.31
